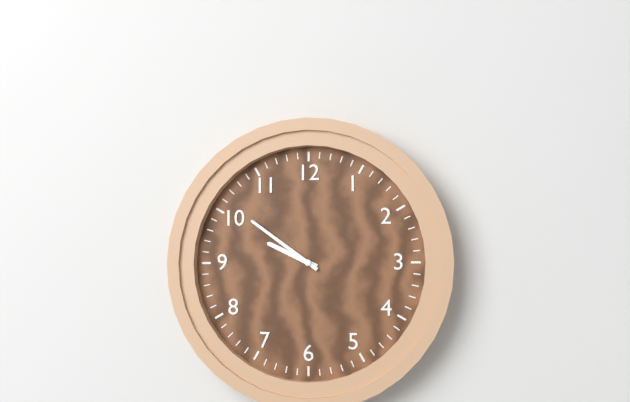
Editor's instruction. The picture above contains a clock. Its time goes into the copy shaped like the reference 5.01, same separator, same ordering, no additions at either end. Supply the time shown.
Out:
9.51
